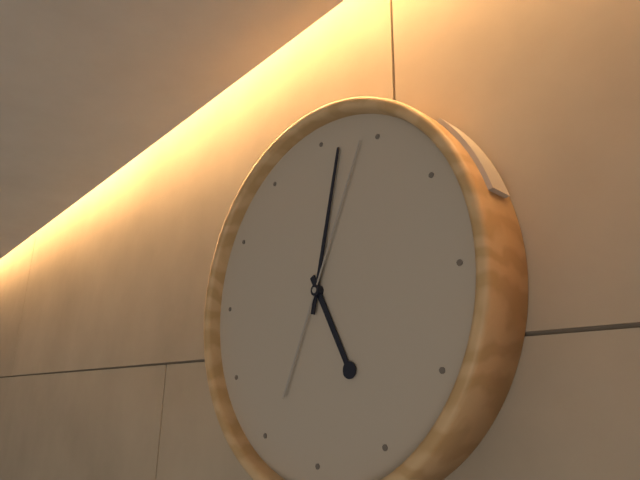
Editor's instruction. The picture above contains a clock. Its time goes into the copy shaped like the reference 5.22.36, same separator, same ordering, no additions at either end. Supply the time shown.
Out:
5.02.04
